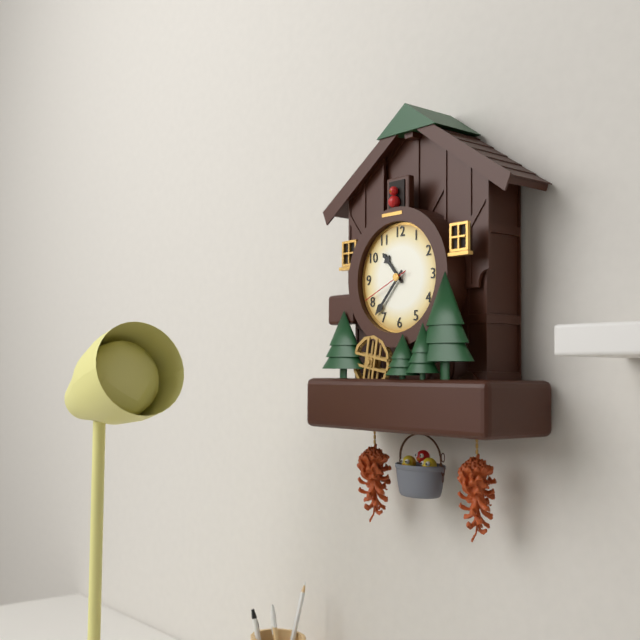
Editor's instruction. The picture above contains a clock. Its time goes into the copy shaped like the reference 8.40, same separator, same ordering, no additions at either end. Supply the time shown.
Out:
10.37
